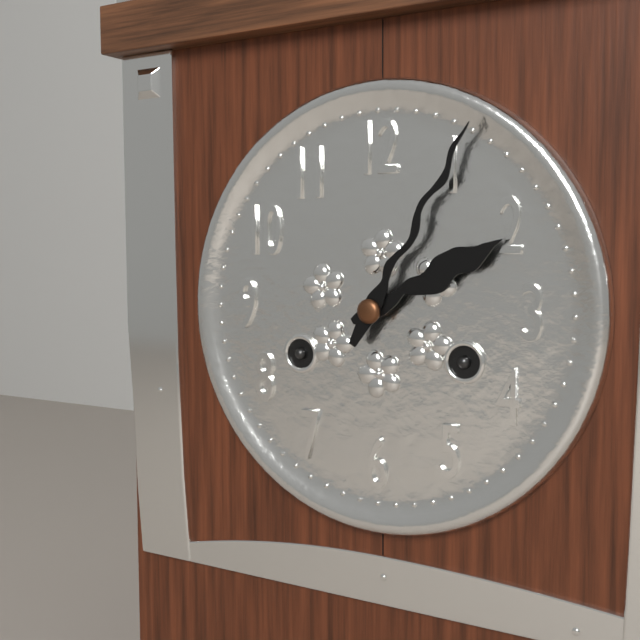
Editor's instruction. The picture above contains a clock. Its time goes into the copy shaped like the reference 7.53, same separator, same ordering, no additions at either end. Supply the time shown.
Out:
2.05
